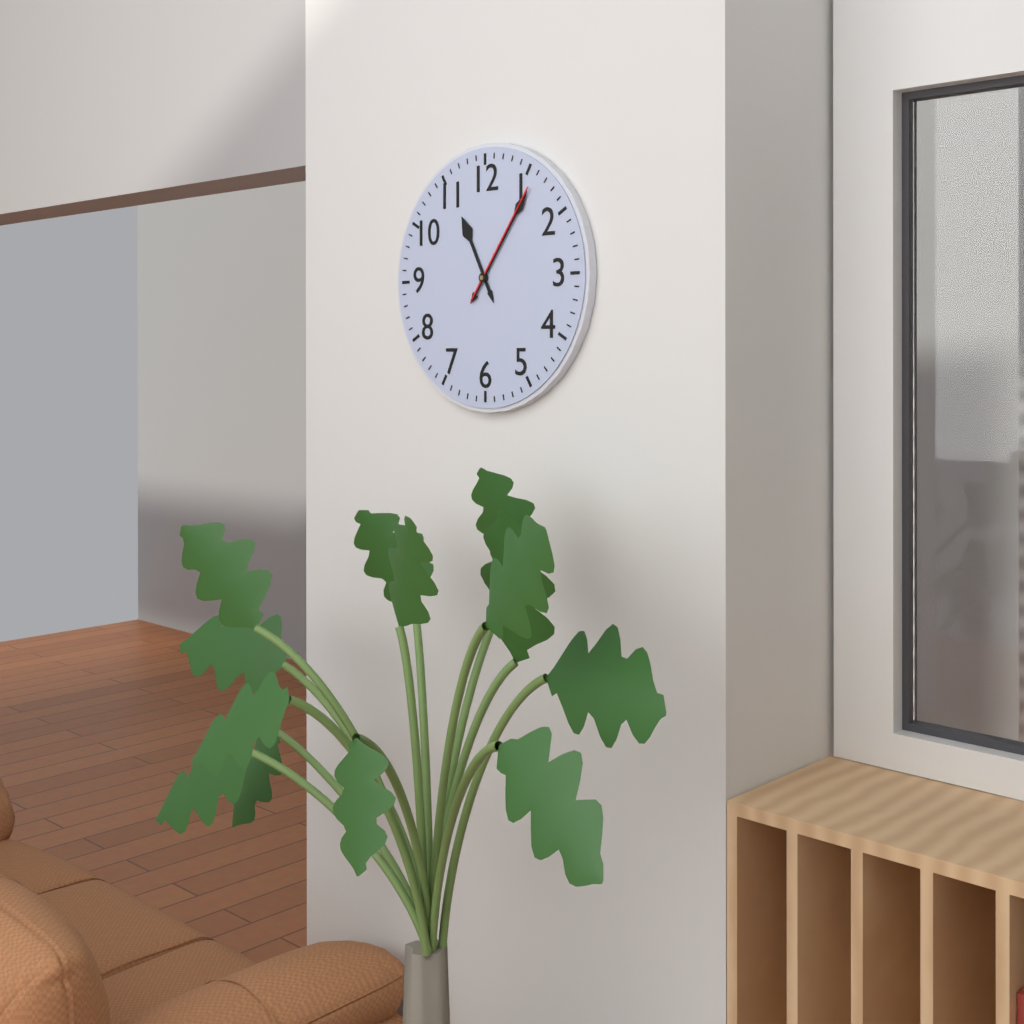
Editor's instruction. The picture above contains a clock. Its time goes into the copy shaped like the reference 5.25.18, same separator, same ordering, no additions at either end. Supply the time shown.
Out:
11.06.06
